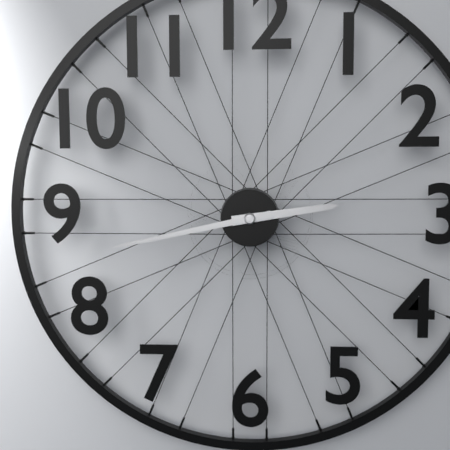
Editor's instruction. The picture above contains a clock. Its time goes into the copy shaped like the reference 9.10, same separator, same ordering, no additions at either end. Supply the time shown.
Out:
2.43
